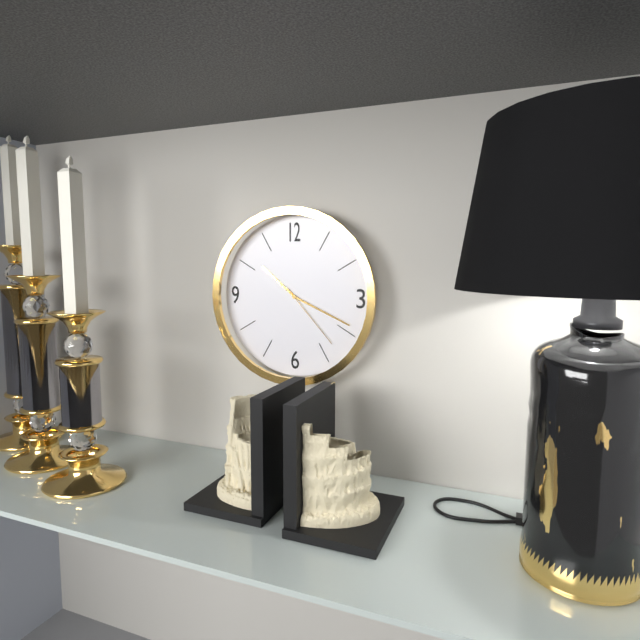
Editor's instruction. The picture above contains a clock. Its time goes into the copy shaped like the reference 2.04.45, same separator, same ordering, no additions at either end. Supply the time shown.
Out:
10.19.23
